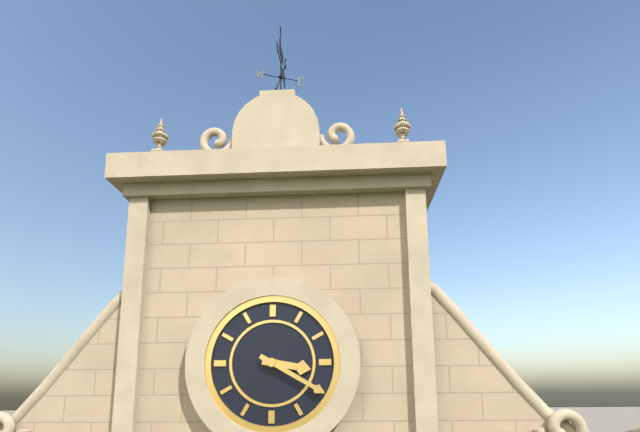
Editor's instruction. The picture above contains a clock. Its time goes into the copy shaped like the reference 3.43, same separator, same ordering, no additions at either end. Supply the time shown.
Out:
3.20
